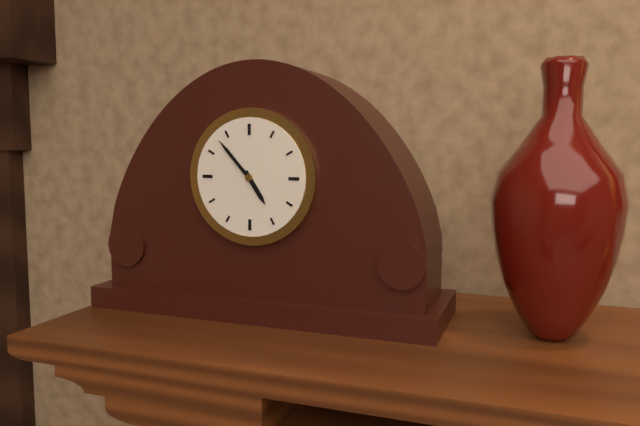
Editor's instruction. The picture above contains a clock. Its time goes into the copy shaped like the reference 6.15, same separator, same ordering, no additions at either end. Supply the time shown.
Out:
4.53
